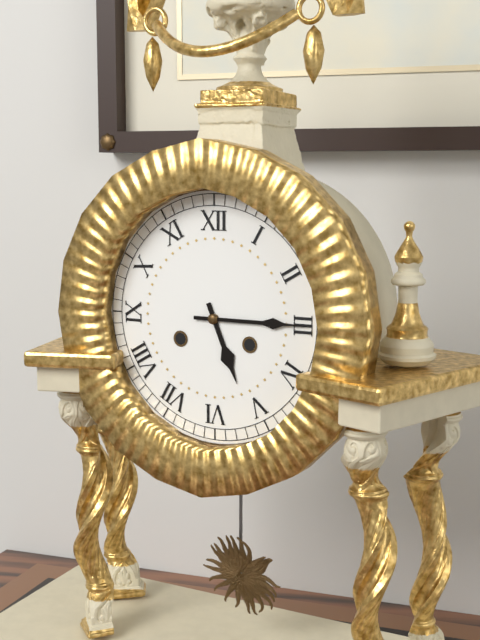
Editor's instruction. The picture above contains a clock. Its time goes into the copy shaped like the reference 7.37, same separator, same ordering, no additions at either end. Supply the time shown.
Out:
5.15
